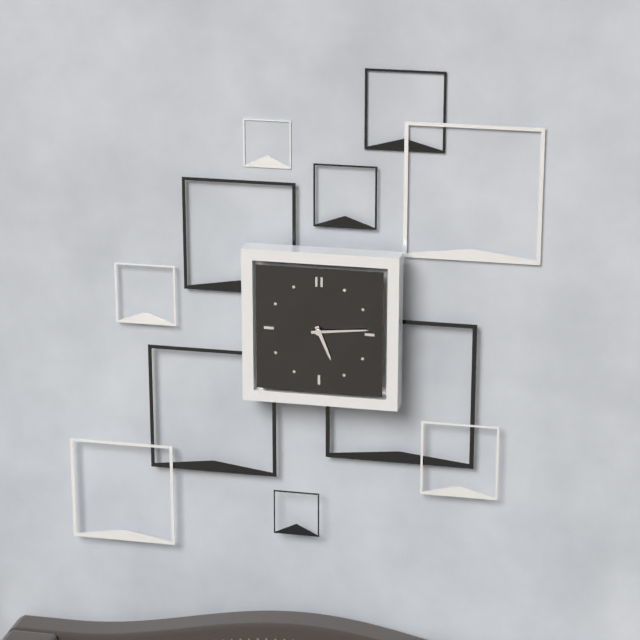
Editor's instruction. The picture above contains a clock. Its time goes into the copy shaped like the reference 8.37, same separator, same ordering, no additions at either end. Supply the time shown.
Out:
5.14
